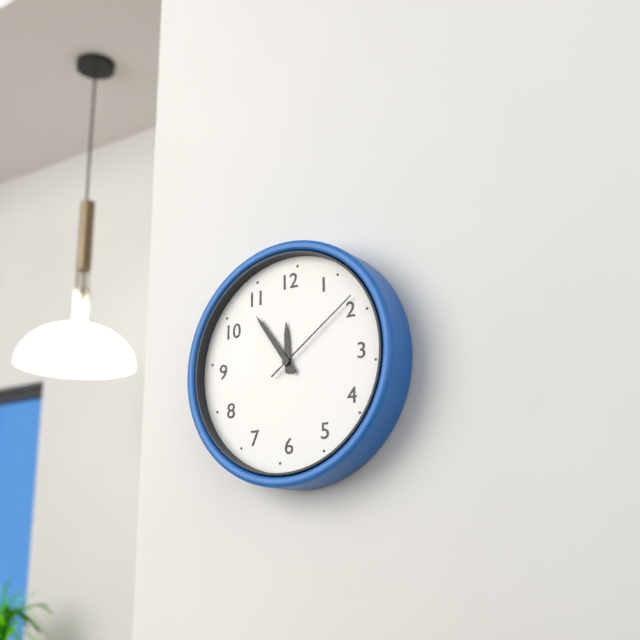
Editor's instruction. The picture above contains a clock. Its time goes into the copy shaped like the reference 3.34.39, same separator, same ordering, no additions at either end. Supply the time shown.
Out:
11.54.09
